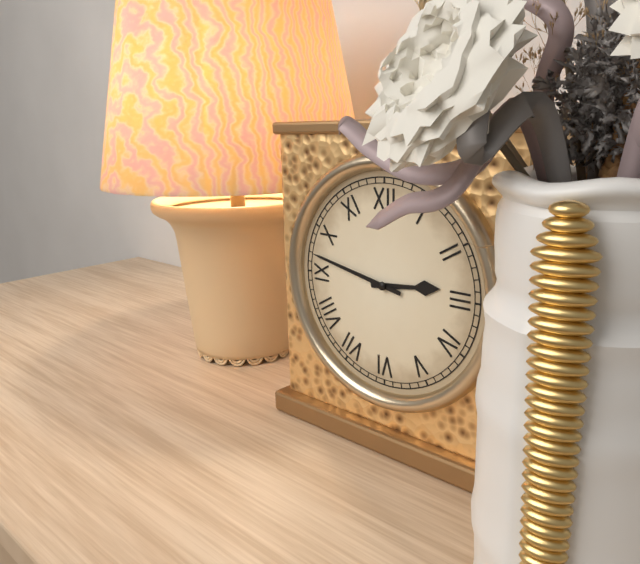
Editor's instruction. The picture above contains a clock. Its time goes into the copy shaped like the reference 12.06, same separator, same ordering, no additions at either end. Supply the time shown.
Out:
2.47
